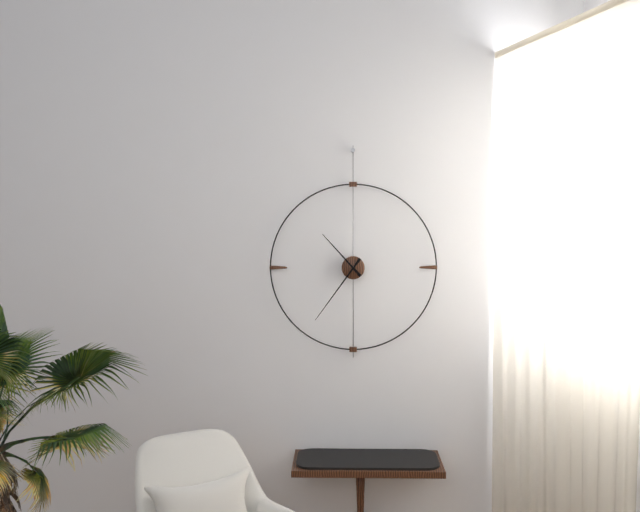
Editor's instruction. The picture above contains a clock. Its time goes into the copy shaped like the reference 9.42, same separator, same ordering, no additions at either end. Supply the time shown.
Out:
10.36
